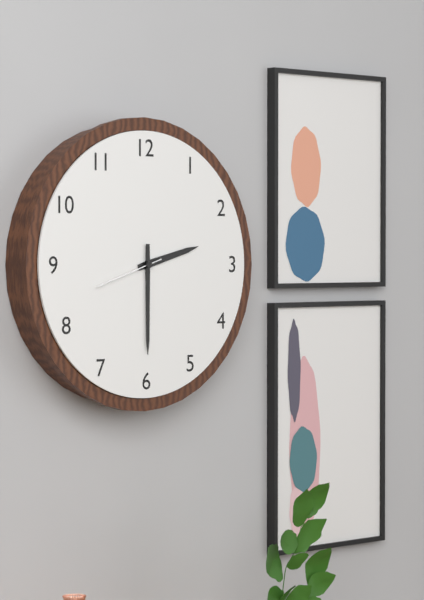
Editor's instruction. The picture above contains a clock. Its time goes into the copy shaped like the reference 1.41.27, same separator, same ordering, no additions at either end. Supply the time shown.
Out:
2.30.42
